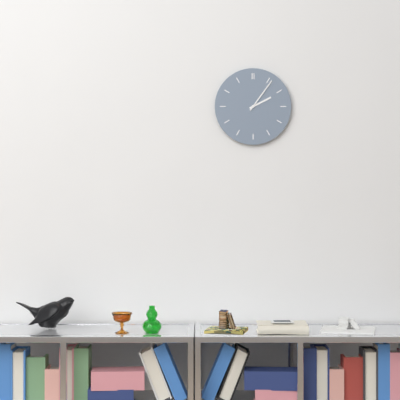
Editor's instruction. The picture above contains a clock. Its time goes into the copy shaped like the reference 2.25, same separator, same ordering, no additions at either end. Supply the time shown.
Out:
2.06
